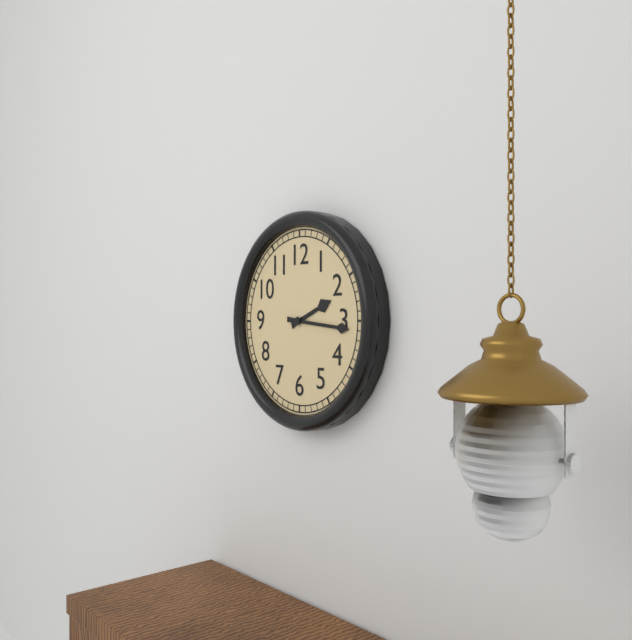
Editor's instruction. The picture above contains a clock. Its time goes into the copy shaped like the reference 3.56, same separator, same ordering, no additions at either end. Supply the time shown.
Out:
2.16
